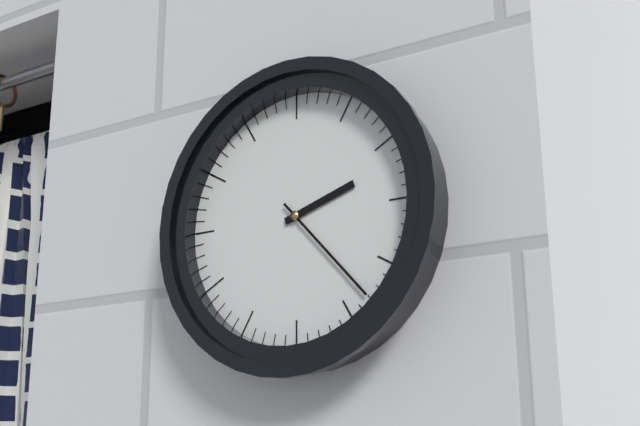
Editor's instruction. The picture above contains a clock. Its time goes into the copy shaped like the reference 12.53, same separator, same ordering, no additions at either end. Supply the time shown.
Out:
2.23
